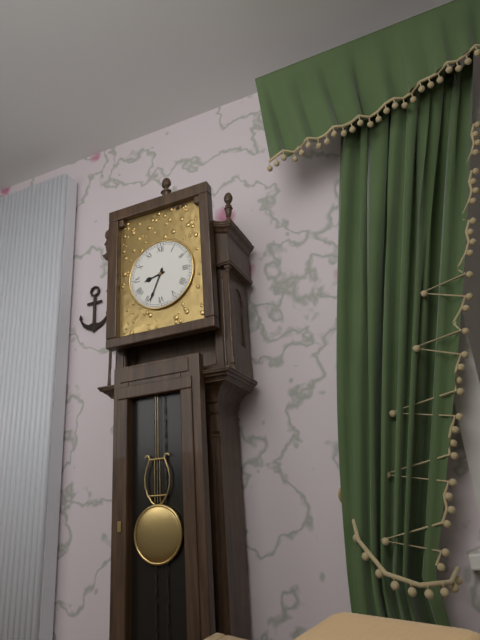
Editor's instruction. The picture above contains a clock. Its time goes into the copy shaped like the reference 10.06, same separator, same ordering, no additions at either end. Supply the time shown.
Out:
8.34
